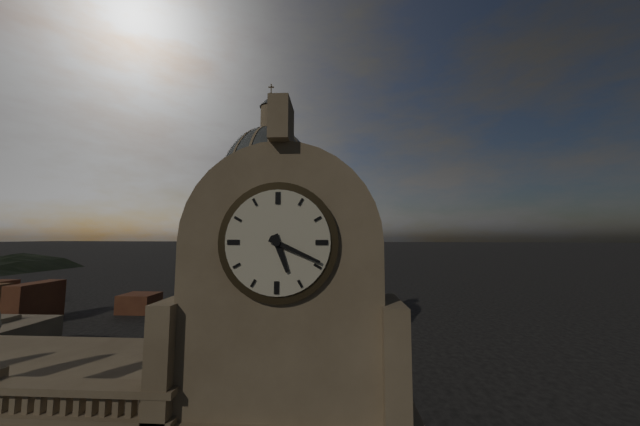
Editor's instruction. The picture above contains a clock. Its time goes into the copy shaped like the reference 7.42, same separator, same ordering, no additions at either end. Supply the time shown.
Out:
5.19
